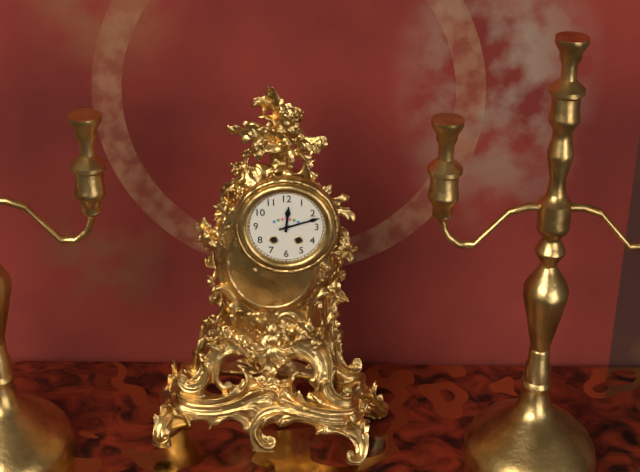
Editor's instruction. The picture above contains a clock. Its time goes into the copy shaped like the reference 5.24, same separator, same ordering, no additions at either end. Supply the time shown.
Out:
12.12
